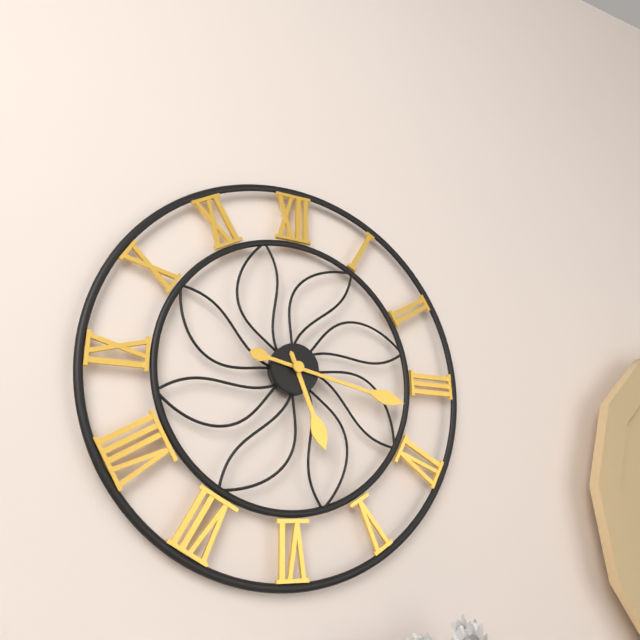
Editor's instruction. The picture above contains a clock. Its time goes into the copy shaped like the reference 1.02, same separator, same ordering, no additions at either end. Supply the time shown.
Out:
5.17
